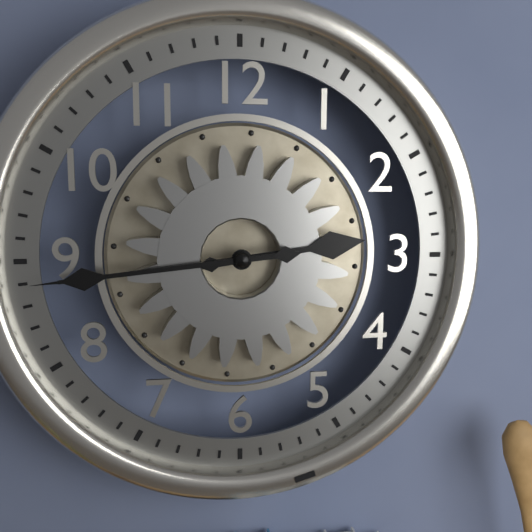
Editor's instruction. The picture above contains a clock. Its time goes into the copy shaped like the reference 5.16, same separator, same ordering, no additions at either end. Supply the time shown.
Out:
2.44
